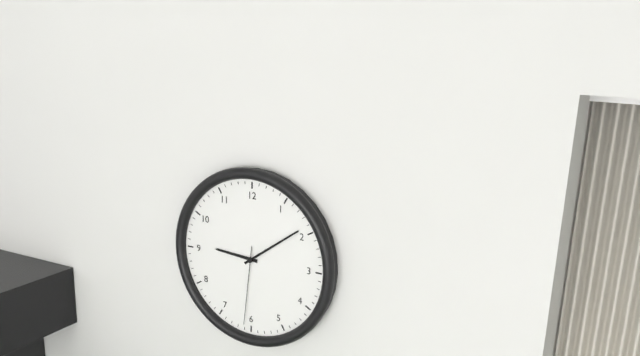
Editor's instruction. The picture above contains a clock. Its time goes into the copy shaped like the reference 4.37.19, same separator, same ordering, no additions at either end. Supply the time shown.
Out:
9.09.31
